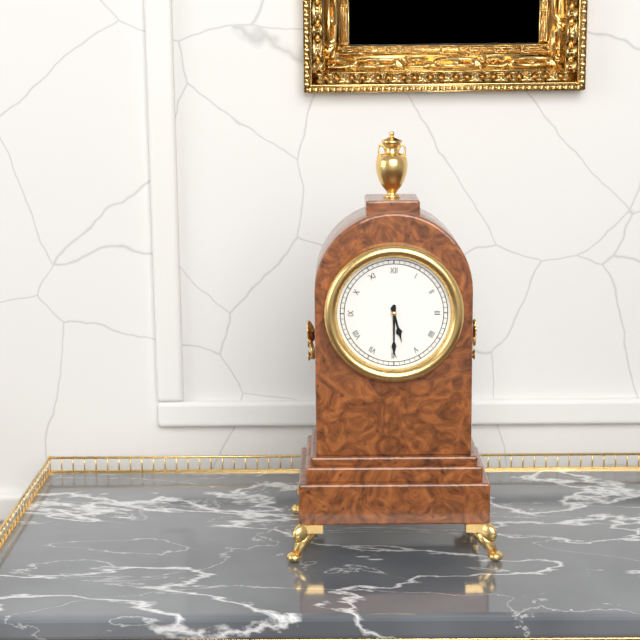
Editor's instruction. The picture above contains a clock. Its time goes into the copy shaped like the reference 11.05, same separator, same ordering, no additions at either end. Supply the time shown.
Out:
5.30
